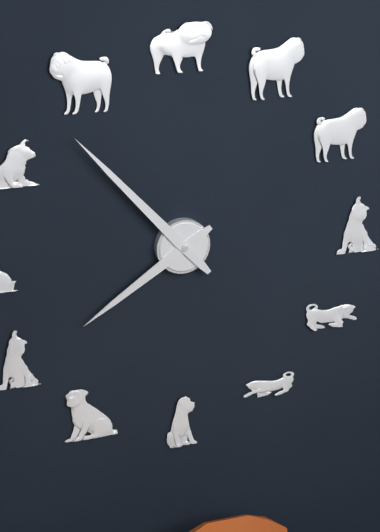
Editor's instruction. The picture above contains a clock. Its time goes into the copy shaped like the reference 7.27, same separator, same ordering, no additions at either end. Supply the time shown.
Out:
7.53
